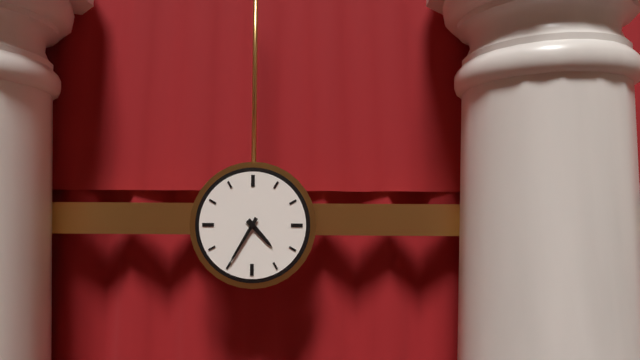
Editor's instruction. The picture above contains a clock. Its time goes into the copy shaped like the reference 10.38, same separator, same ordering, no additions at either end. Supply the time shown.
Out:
4.35
